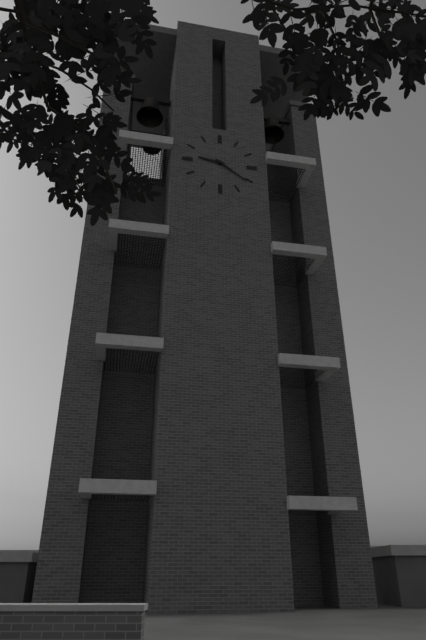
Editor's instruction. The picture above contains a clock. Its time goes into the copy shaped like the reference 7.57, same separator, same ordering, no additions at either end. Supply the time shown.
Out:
9.21
